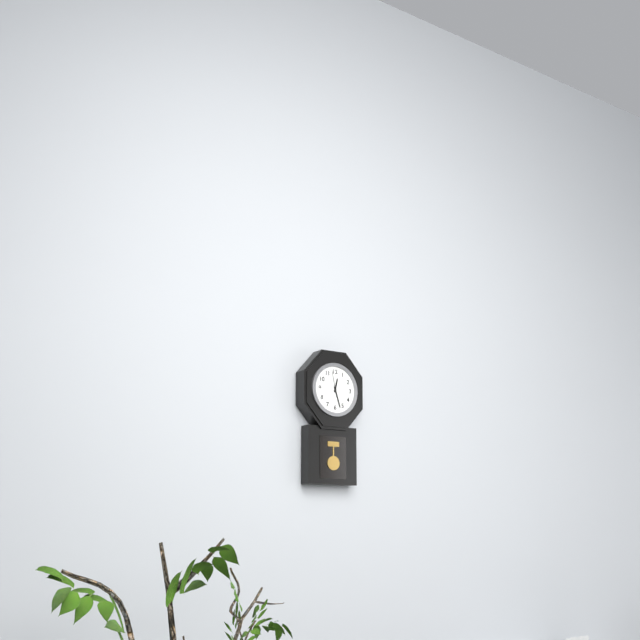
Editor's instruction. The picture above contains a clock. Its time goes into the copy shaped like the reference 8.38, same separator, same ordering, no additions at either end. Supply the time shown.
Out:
12.27
